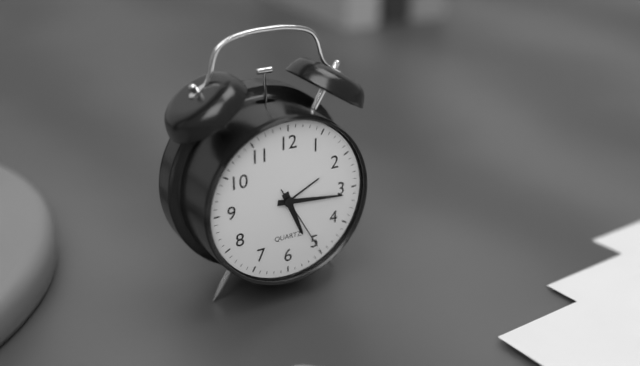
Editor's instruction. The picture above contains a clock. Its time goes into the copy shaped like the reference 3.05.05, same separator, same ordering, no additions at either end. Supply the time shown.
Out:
5.16.25
